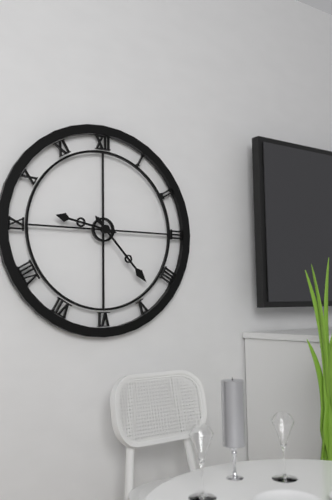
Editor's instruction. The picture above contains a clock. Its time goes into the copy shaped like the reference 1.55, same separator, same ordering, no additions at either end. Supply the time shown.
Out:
9.23
